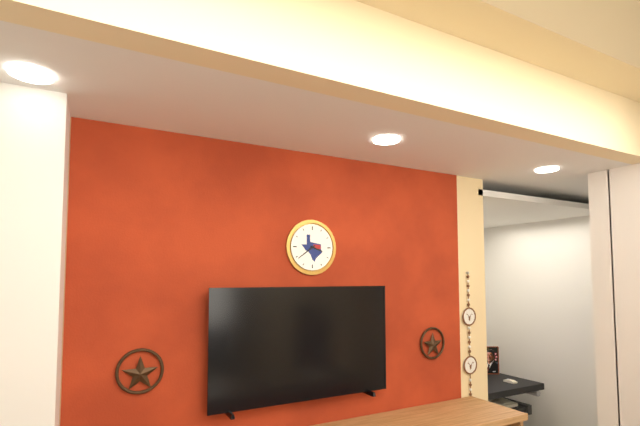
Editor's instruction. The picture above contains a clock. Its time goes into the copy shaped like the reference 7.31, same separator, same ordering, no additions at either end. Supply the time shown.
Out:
3.39
